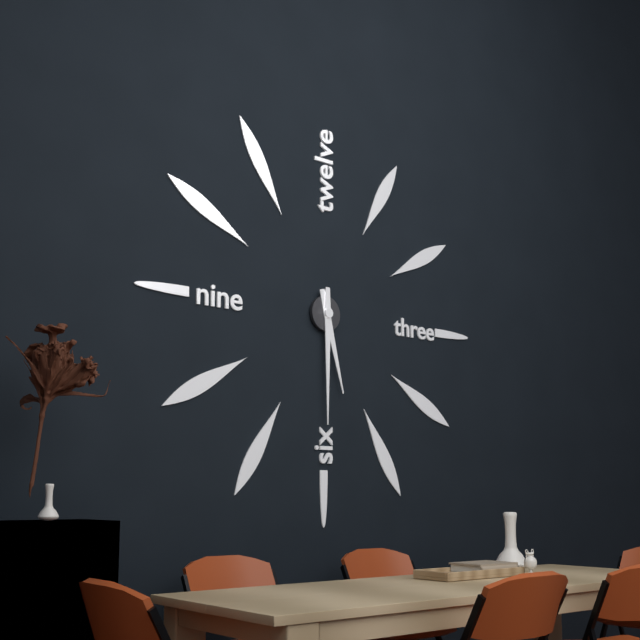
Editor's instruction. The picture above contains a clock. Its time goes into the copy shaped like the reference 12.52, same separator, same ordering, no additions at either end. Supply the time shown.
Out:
5.30
